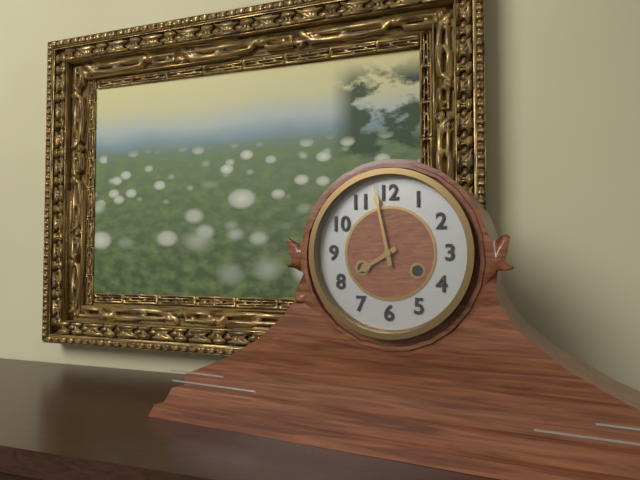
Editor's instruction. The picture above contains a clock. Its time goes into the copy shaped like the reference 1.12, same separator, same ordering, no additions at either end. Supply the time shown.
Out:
7.58
